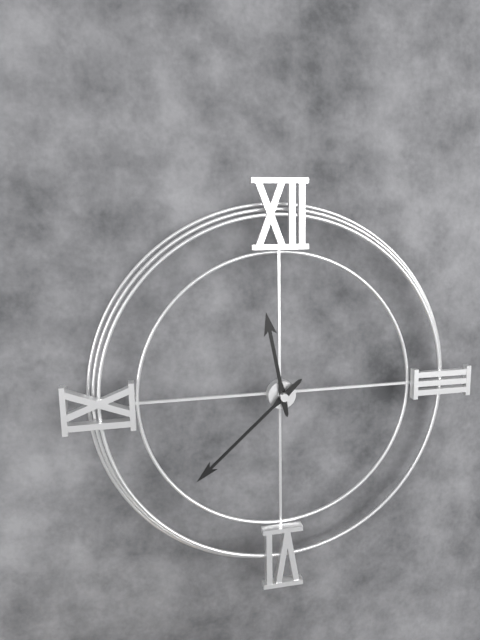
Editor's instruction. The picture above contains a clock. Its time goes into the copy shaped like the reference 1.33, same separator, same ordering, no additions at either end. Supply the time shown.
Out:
11.38
